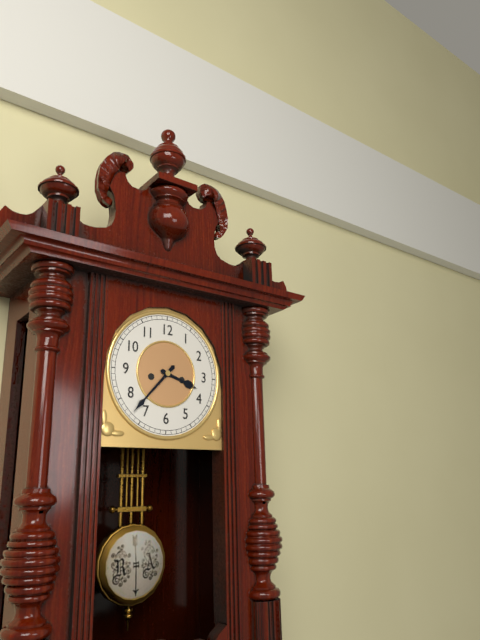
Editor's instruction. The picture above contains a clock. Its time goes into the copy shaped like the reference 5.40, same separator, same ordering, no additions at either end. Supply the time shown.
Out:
3.37
